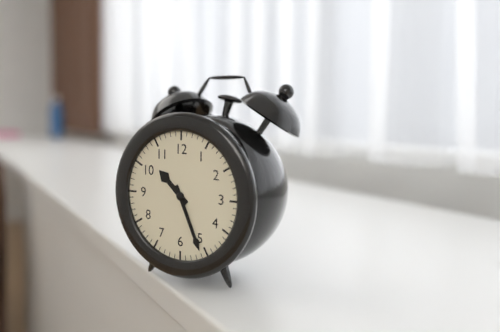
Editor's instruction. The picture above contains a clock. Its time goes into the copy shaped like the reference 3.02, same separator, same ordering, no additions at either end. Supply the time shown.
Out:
10.26
